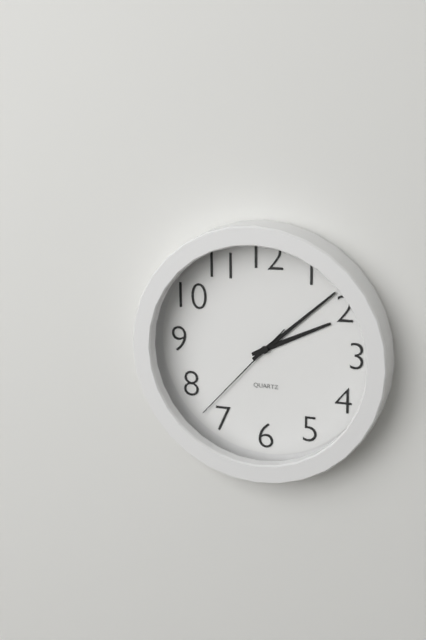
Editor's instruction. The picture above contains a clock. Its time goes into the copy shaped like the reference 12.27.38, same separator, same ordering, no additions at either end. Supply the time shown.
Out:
2.08.37
